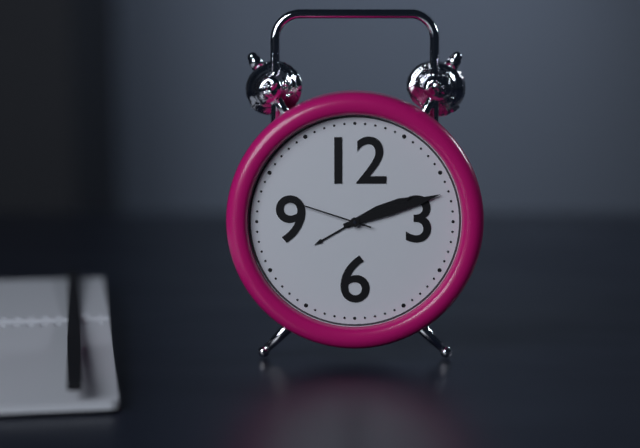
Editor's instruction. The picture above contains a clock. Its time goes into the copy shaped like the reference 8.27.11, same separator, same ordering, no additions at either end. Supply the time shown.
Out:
2.12.48
